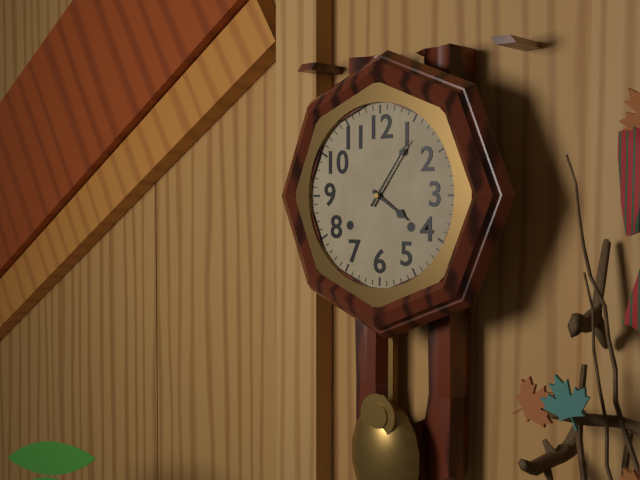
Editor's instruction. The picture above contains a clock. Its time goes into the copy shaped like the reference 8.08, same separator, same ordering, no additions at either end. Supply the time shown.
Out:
4.06
